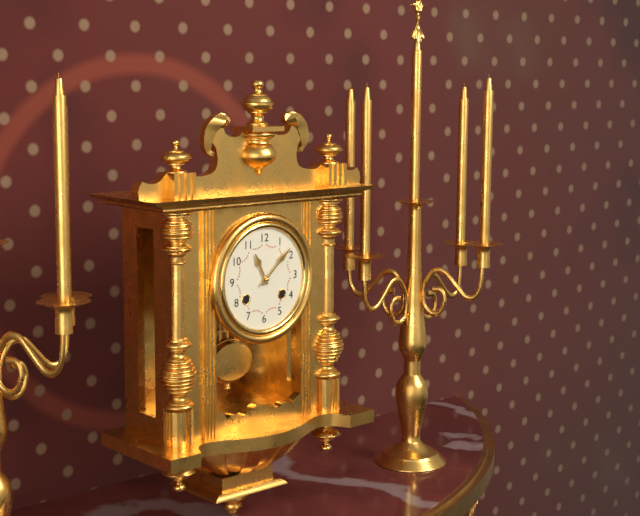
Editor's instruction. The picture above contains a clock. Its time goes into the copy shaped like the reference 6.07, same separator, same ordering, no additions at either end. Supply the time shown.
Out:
11.08
